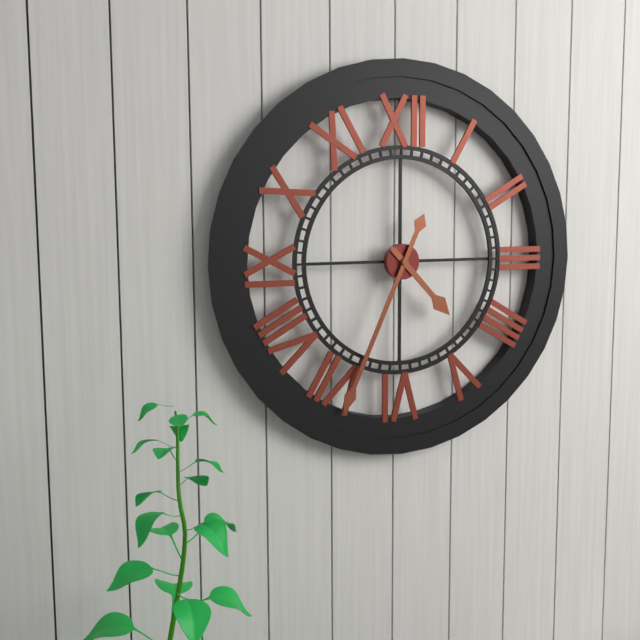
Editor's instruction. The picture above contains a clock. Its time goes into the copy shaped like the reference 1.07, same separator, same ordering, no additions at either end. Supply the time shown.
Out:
4.34
